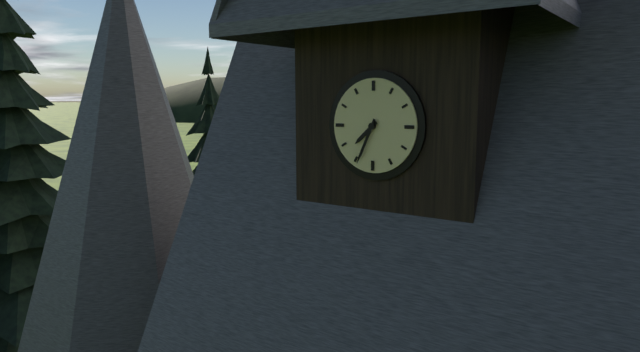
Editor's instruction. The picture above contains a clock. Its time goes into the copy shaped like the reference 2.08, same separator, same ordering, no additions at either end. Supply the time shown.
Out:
7.34
